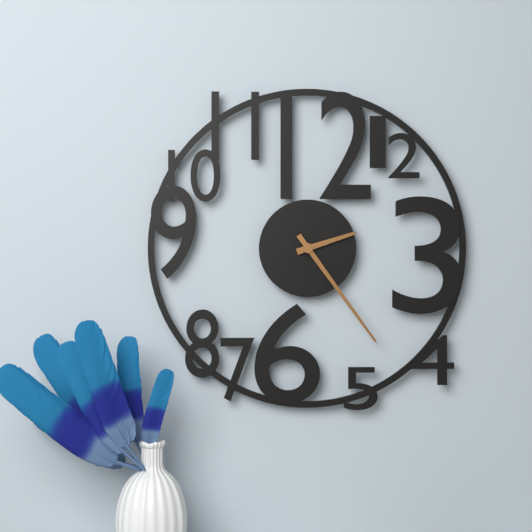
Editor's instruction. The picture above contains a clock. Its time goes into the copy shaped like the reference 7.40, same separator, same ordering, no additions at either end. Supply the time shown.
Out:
2.24
